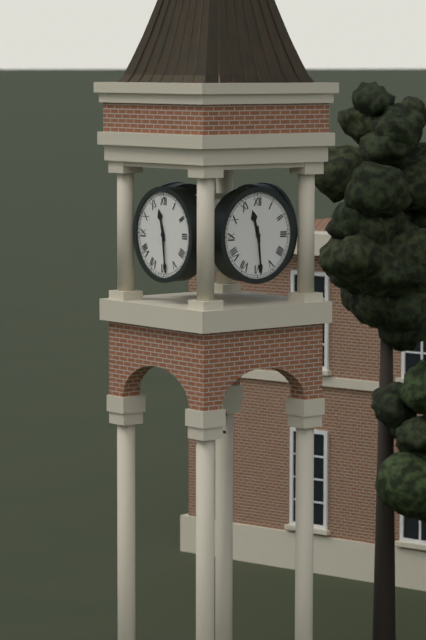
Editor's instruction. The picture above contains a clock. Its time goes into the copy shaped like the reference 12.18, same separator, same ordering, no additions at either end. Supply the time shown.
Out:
11.29
